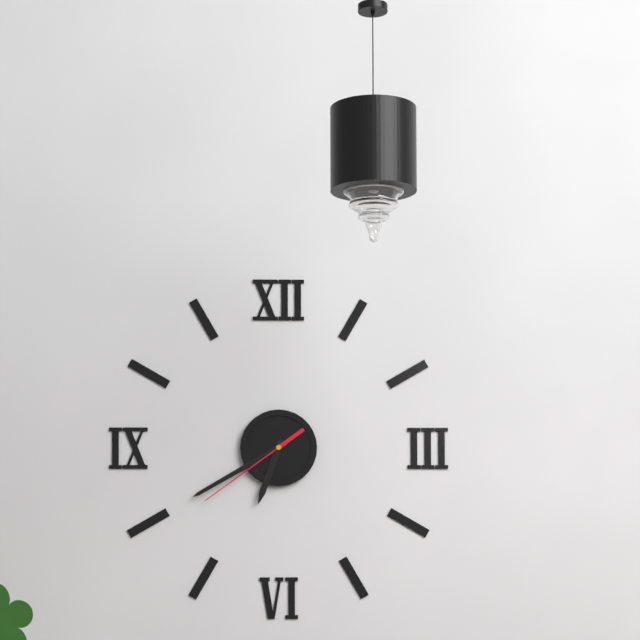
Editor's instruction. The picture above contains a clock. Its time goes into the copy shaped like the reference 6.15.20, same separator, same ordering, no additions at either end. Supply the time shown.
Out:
6.40.39
